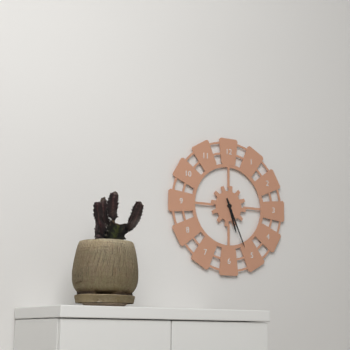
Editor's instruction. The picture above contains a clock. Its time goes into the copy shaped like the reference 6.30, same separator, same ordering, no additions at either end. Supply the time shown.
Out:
5.26
